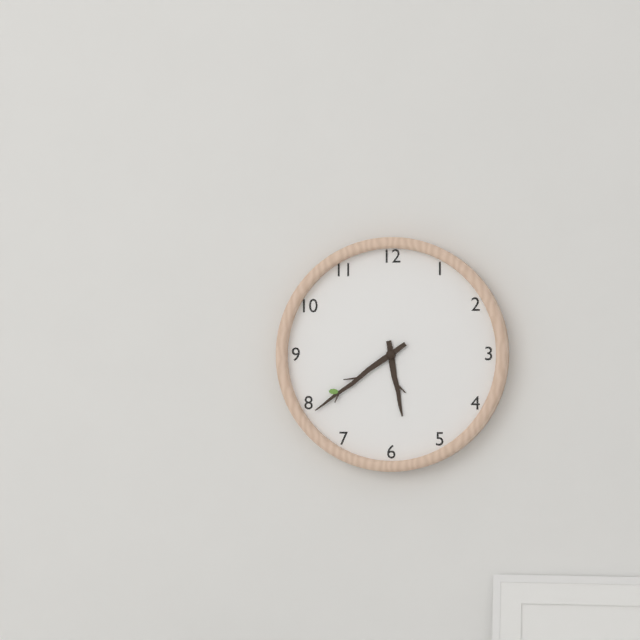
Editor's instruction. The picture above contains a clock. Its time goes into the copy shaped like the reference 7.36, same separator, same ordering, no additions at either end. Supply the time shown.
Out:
5.39
